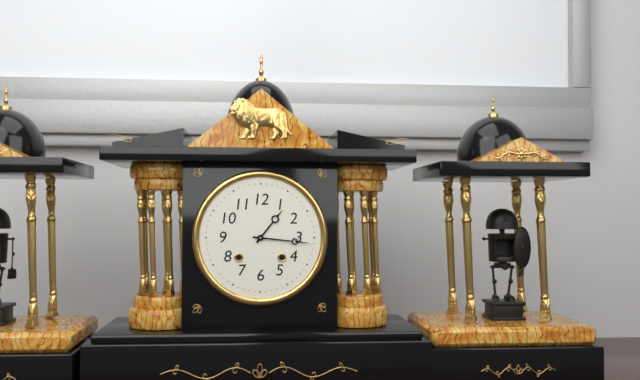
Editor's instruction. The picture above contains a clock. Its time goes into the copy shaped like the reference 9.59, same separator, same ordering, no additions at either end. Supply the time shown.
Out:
1.16
